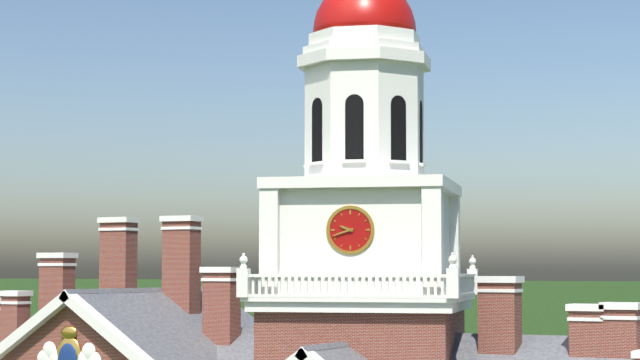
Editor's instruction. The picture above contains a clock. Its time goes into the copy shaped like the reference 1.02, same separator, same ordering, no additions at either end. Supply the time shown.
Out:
9.42
